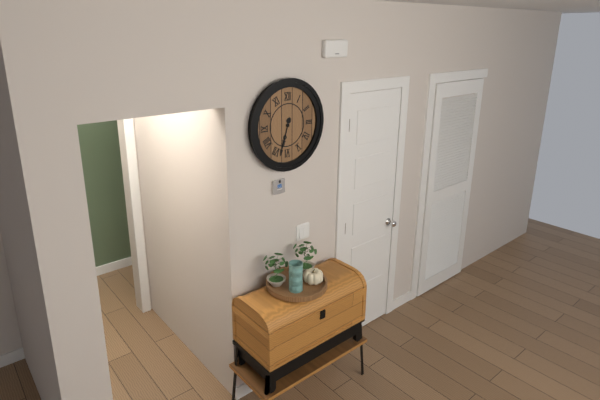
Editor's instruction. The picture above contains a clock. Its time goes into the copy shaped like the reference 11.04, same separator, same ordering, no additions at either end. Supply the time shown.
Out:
6.33
